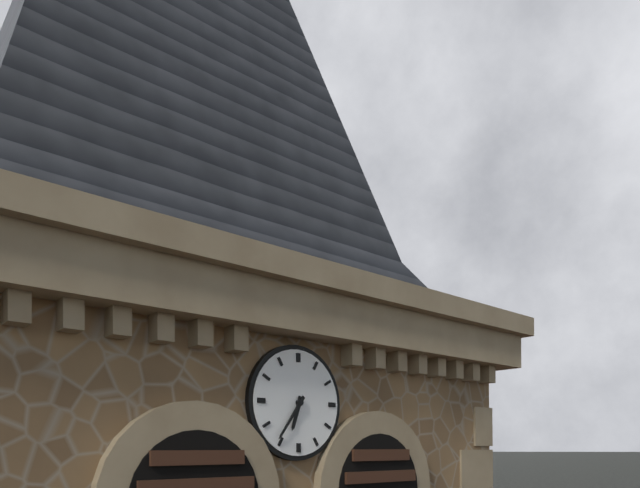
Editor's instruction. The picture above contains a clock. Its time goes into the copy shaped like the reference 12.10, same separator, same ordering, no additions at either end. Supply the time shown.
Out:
6.36
